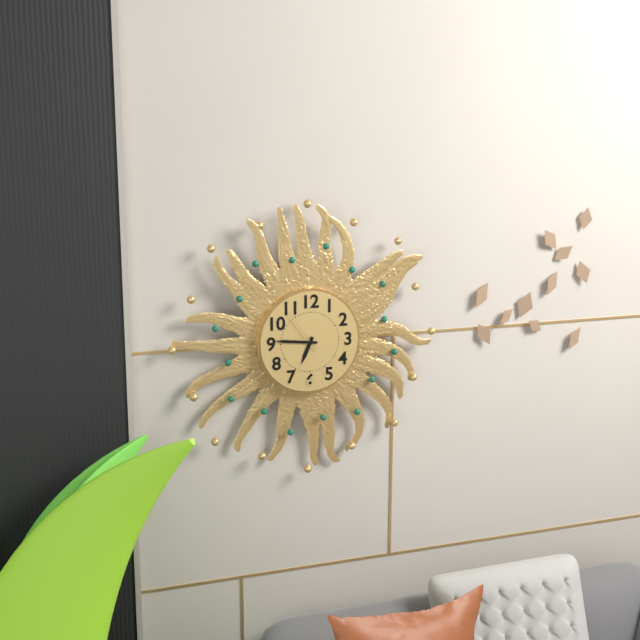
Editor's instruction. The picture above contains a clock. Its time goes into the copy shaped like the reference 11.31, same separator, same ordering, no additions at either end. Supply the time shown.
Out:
6.46
